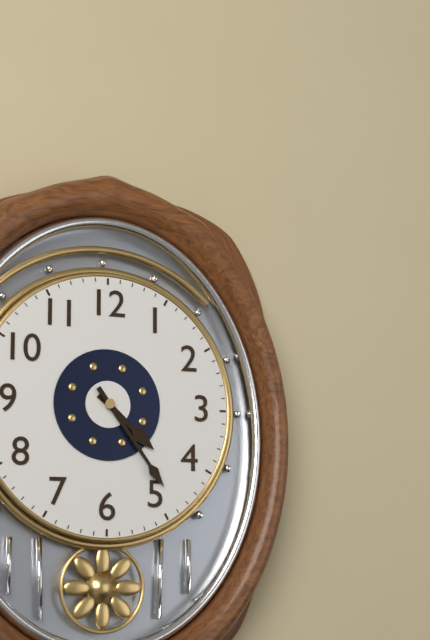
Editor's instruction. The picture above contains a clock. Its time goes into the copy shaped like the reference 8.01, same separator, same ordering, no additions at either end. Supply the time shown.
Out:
4.24
